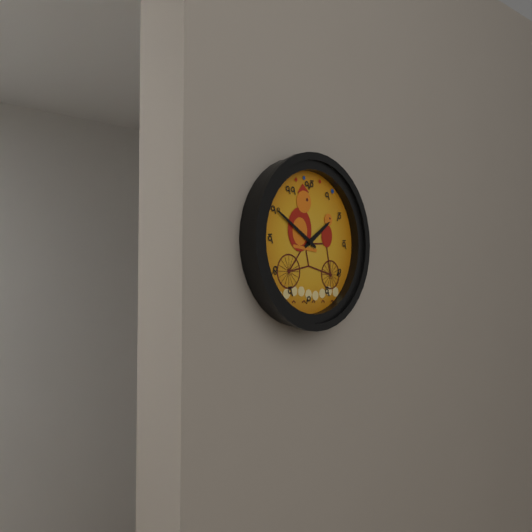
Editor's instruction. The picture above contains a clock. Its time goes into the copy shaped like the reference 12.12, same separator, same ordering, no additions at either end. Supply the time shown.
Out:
1.50
